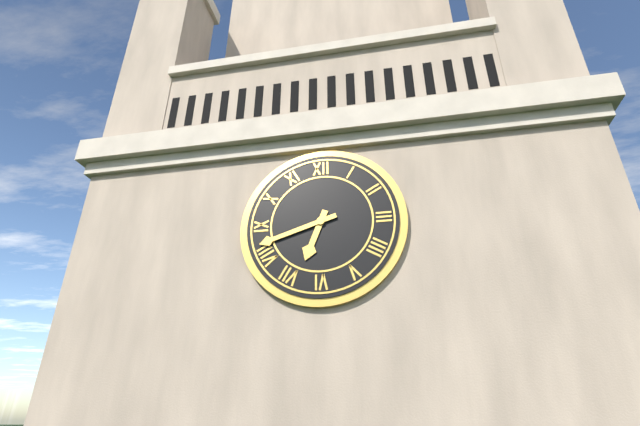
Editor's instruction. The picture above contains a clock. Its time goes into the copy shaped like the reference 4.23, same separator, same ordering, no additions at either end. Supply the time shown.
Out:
6.42
